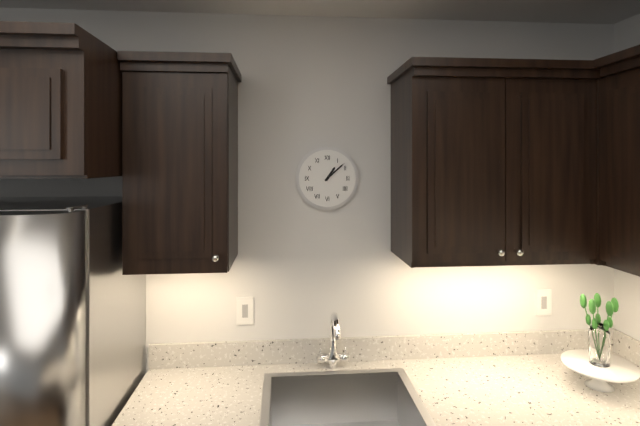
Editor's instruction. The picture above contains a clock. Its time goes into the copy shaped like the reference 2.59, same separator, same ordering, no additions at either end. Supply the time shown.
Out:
1.08
